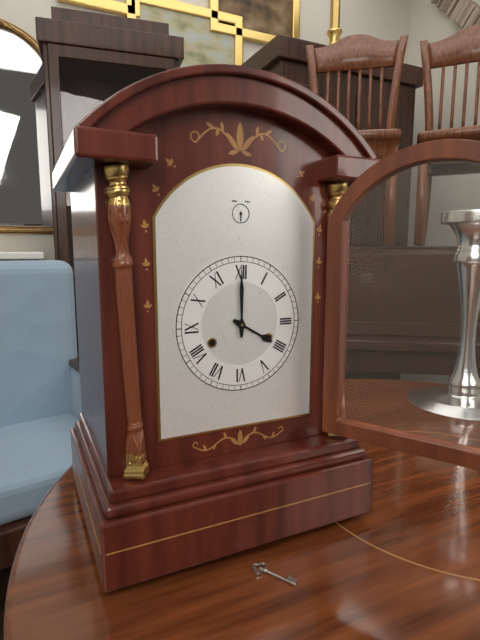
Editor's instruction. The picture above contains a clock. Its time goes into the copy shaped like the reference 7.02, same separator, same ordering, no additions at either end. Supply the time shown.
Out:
4.00
